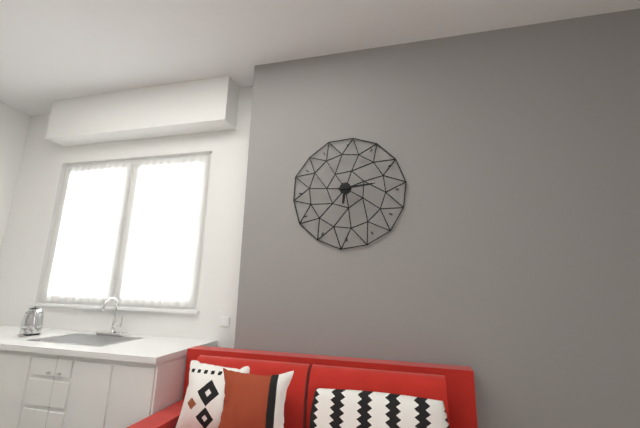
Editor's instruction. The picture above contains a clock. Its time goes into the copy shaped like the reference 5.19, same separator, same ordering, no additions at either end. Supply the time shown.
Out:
6.14
